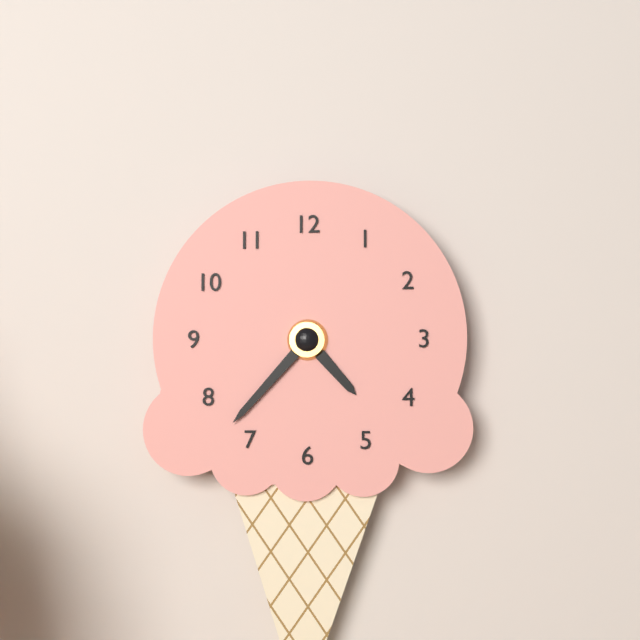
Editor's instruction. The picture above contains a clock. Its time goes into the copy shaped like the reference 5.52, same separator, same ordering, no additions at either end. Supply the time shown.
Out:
4.37
